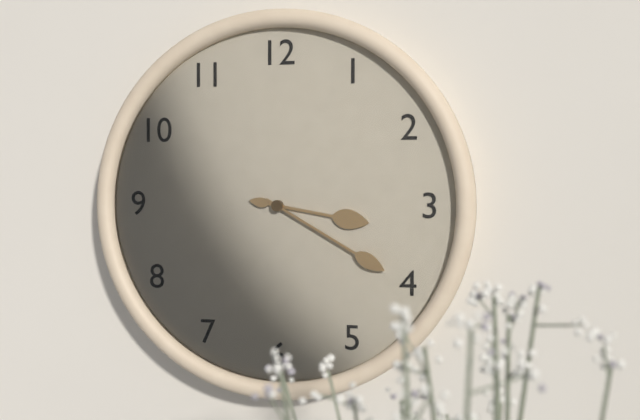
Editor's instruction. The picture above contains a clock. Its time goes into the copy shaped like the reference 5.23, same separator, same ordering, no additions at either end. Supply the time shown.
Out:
3.20
